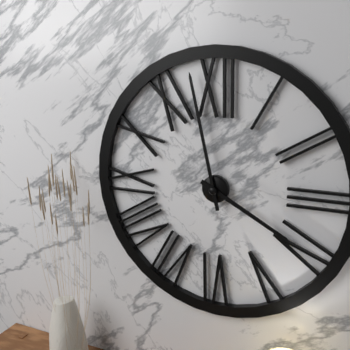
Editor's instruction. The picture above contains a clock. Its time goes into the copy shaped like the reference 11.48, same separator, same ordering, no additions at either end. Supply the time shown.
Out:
3.58
